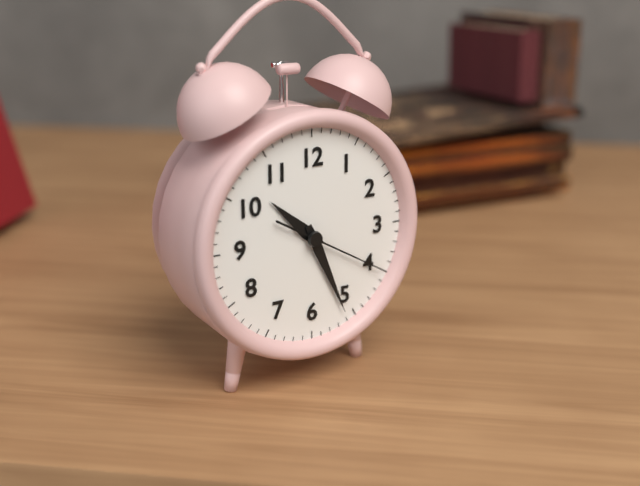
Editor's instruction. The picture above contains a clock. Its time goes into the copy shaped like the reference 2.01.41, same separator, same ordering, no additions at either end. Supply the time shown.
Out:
10.26.20
